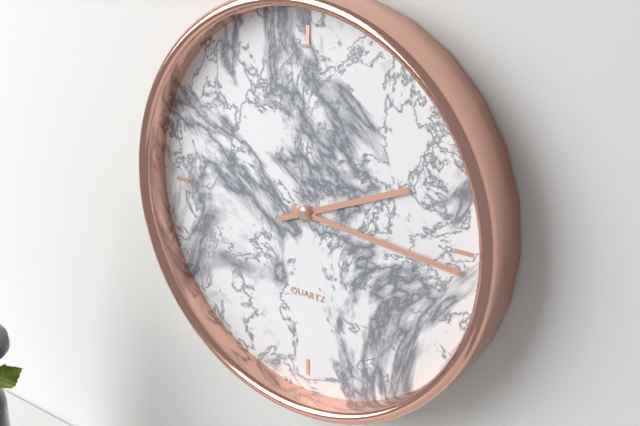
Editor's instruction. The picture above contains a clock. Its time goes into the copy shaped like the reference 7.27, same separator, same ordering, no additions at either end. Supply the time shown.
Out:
2.16
